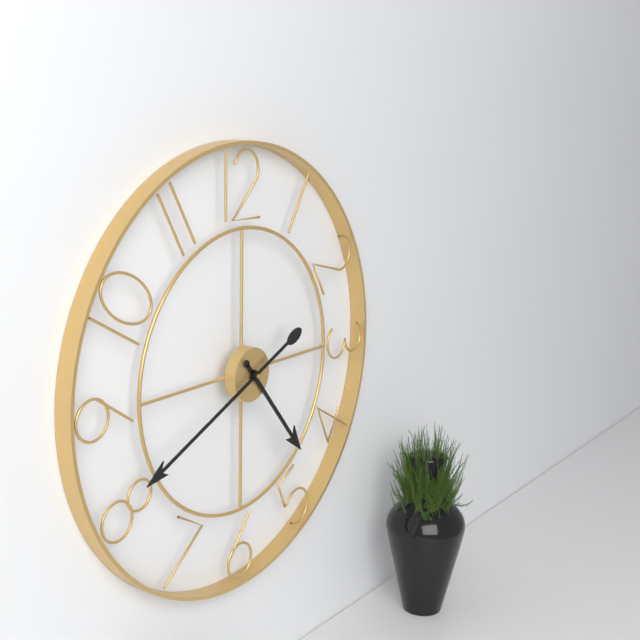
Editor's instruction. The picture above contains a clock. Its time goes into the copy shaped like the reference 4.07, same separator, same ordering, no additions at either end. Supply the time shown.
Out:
4.41
